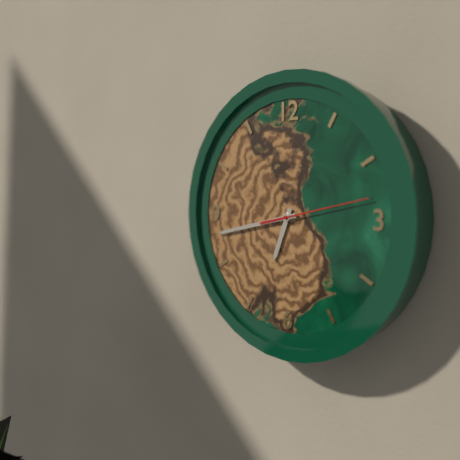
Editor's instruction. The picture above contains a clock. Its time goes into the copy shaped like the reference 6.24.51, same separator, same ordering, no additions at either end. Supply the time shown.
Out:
6.43.13
